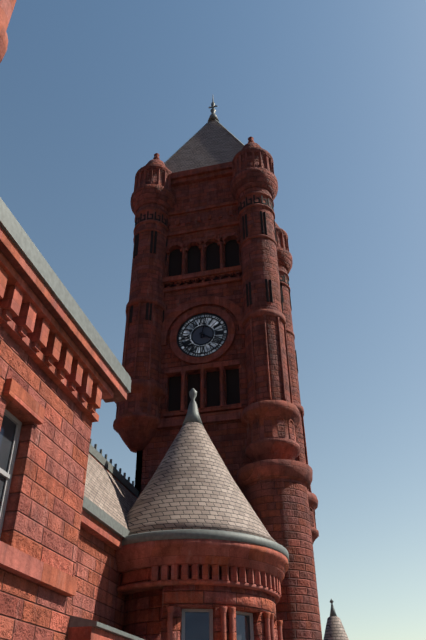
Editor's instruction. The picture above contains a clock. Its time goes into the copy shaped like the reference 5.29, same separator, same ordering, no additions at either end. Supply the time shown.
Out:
4.02
